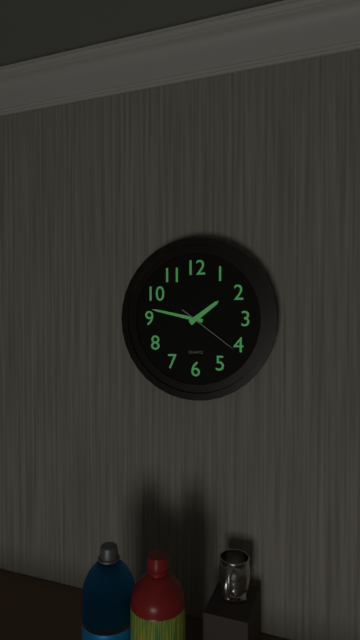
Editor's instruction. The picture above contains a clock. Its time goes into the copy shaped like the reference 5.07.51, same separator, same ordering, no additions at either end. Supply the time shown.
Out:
1.47.21
